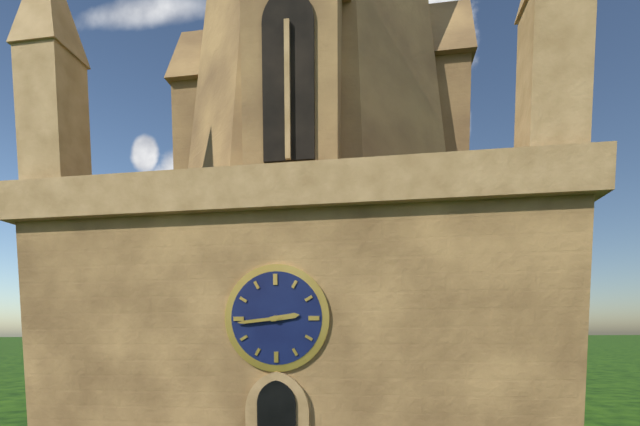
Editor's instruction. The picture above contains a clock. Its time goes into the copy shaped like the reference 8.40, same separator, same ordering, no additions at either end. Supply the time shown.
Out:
2.44
